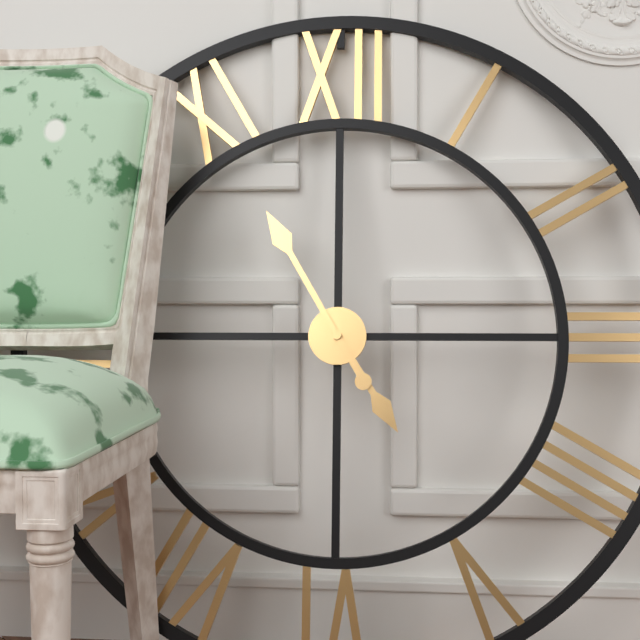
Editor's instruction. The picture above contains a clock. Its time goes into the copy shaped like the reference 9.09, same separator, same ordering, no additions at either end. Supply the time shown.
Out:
4.55
